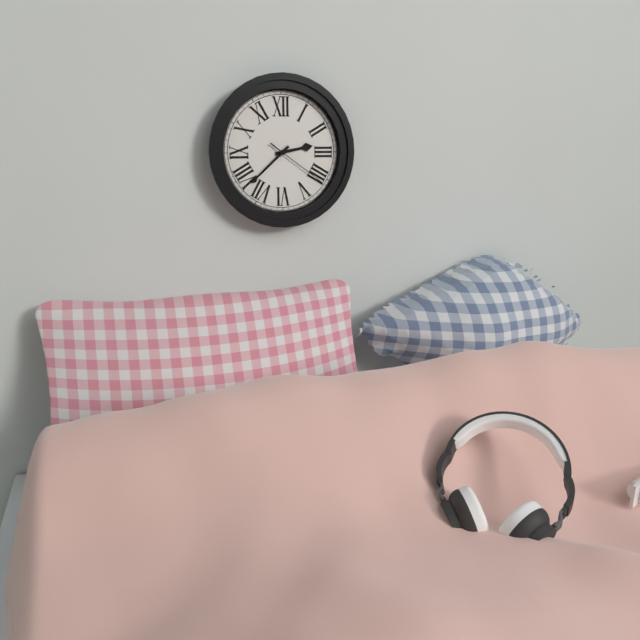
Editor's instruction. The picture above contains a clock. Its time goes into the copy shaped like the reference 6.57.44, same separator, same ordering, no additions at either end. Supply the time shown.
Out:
2.38.21
